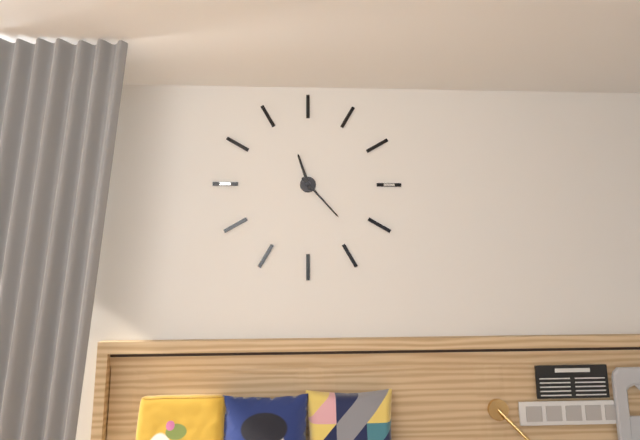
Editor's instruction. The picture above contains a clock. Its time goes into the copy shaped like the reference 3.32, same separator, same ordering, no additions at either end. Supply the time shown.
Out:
11.23
